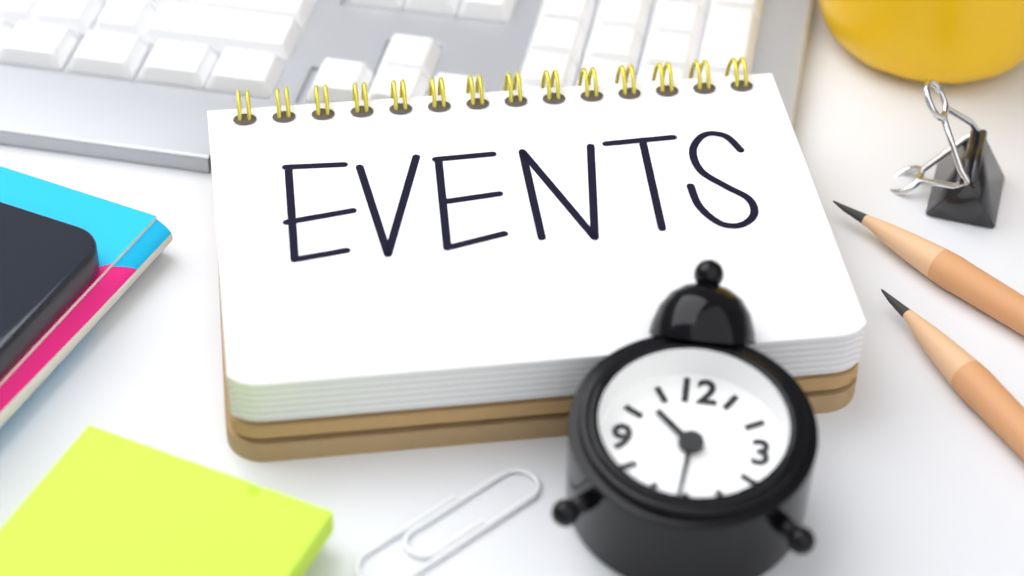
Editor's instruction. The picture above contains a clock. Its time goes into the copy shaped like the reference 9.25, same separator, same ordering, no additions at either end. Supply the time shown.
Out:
10.31
